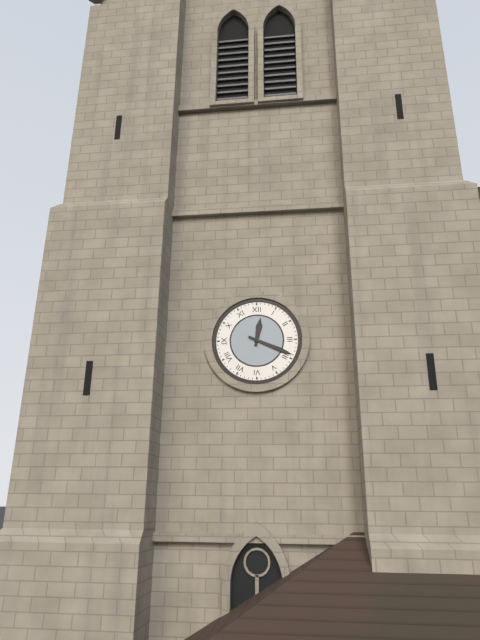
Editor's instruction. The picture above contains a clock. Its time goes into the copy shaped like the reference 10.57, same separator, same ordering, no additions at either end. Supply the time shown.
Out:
12.19
